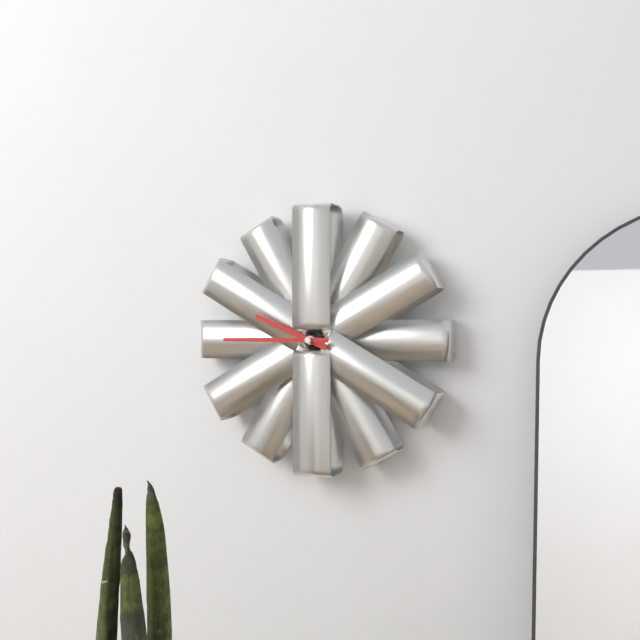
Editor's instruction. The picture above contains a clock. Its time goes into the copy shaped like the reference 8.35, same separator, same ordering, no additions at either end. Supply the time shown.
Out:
9.45
